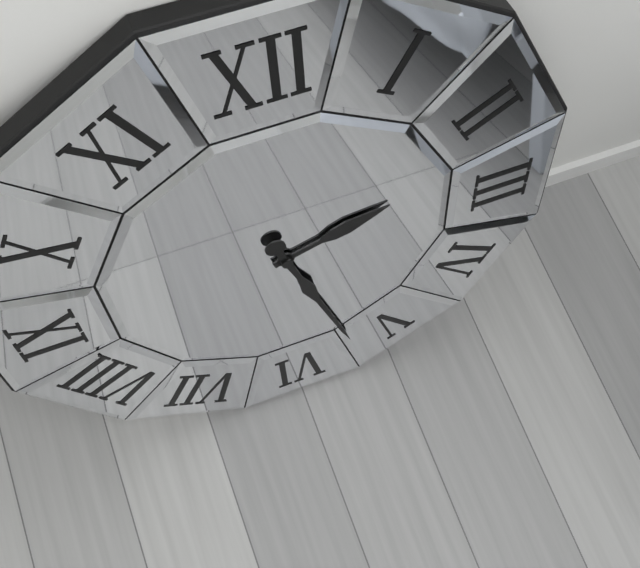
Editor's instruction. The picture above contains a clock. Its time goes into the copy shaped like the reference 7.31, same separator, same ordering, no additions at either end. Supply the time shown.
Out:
2.27
